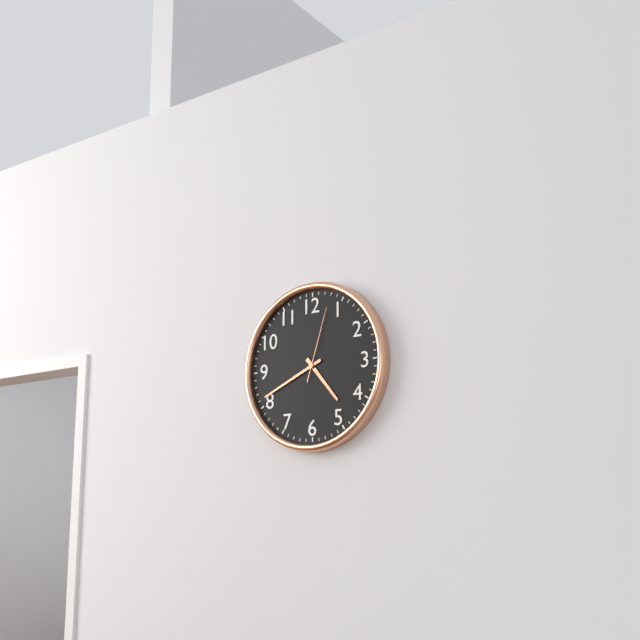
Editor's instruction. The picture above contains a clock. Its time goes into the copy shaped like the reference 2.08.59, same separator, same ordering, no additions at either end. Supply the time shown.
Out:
4.41.03
